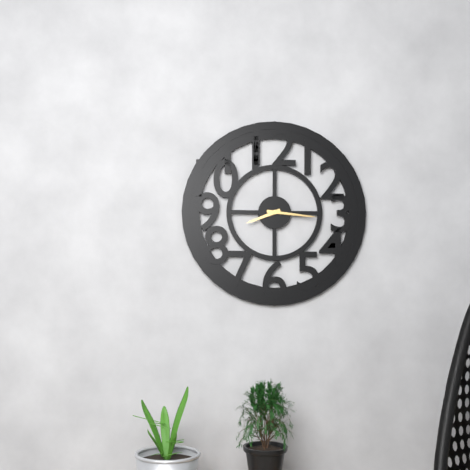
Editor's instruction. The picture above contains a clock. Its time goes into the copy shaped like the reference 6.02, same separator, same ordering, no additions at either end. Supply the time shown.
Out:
8.16
